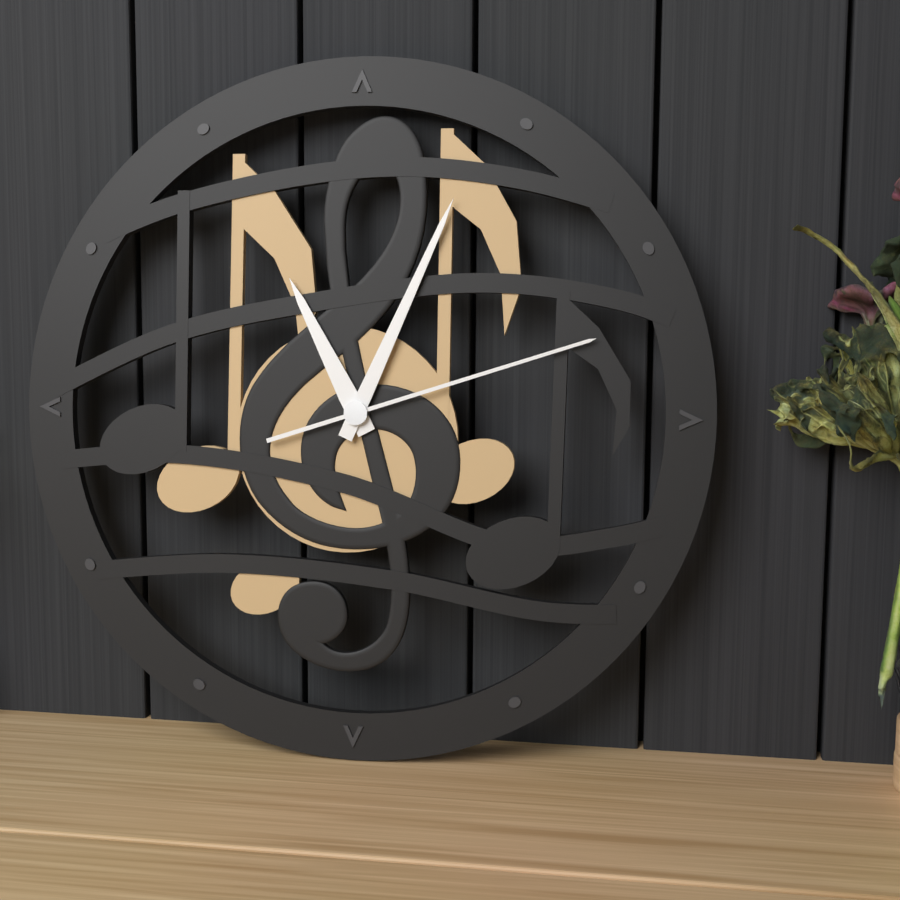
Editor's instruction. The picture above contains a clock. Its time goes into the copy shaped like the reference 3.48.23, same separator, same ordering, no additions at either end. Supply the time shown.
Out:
11.04.12
